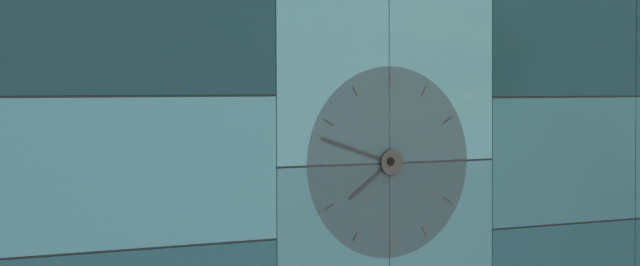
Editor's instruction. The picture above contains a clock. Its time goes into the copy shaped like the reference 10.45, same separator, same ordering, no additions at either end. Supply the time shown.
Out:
7.48
